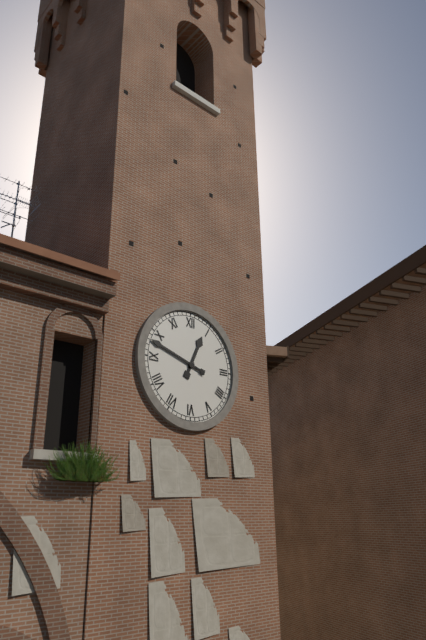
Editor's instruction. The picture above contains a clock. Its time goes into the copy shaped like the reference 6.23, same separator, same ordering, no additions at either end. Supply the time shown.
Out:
12.48
